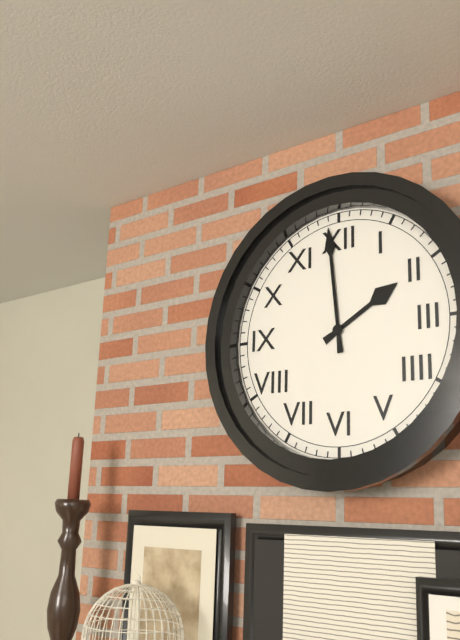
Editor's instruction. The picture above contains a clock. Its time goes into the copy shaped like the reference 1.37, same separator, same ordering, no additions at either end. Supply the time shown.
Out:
1.59
